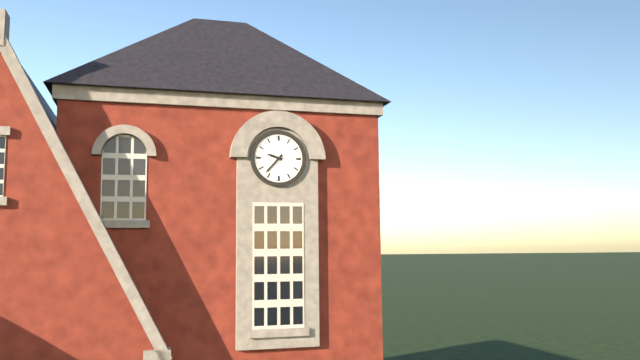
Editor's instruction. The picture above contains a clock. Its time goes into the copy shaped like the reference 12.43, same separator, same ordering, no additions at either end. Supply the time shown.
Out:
9.37
